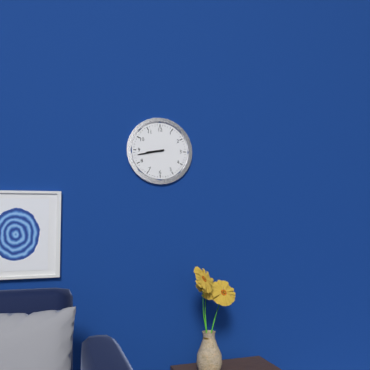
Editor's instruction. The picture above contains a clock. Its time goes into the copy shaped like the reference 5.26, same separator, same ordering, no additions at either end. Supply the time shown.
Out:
8.43
